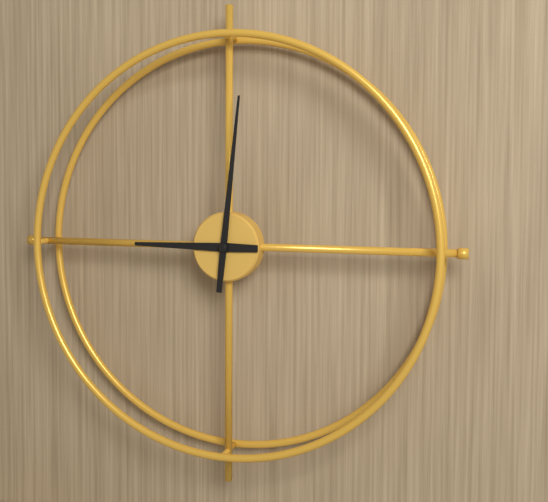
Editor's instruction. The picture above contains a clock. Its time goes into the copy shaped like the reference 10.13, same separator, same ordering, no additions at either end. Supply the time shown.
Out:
9.01
